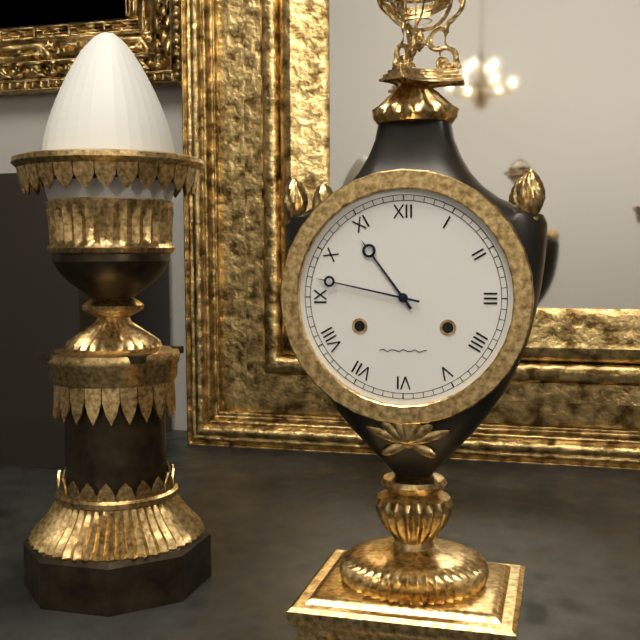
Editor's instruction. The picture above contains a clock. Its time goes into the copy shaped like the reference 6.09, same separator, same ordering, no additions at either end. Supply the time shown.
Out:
10.47
